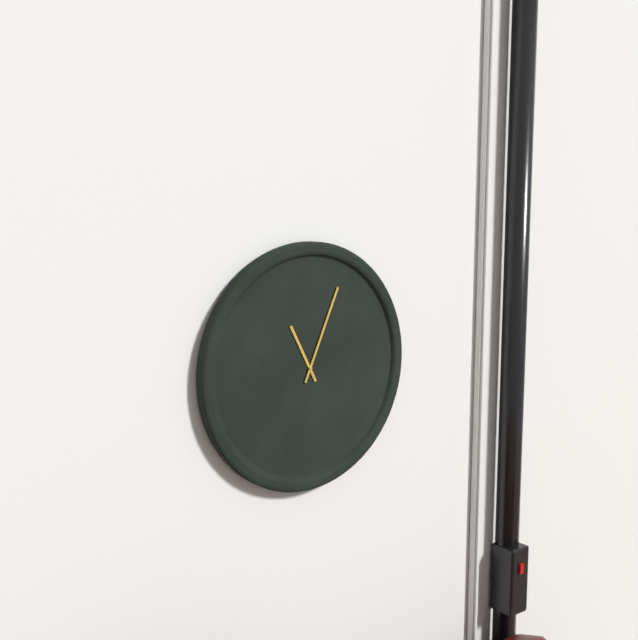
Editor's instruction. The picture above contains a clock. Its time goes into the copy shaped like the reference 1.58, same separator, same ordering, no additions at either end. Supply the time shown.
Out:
11.04
